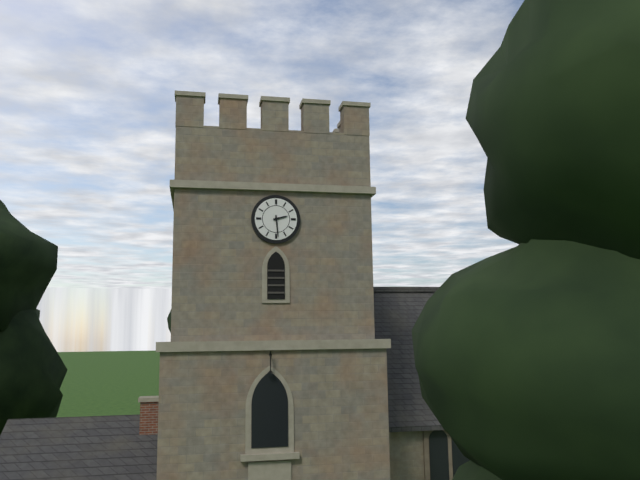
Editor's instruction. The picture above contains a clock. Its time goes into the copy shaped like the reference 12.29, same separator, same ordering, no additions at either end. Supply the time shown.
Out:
2.29
